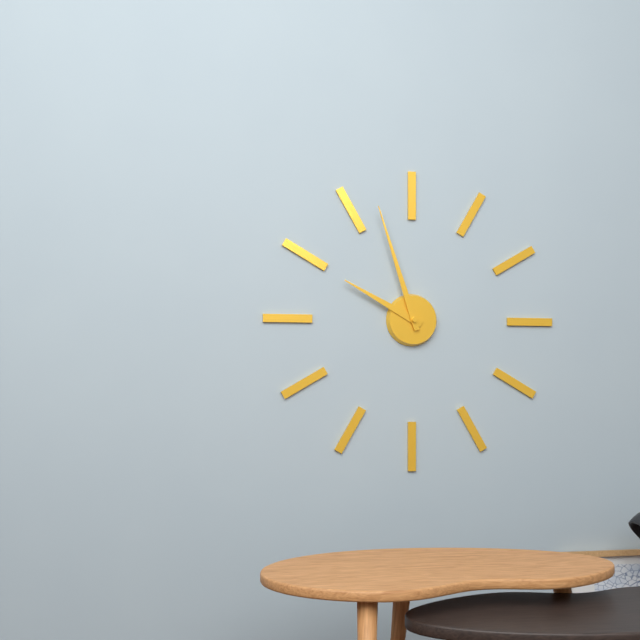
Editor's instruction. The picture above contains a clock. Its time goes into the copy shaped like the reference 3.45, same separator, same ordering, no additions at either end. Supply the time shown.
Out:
9.57
